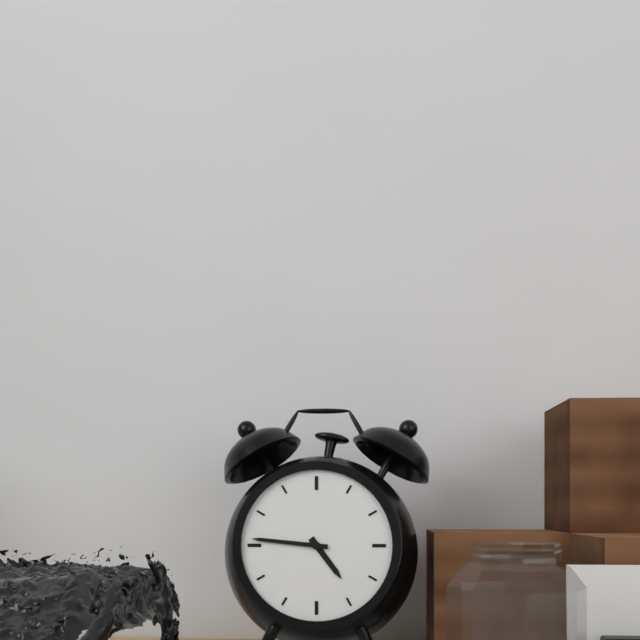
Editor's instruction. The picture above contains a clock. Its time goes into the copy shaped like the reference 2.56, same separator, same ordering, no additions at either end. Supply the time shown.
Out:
4.46
